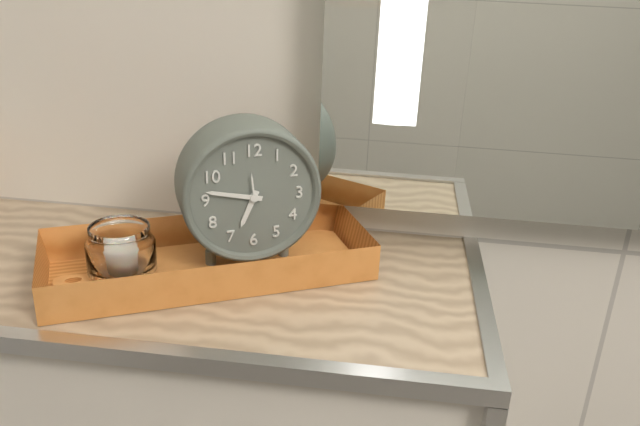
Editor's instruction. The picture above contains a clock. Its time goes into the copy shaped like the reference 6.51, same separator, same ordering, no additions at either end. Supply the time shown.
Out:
6.47
